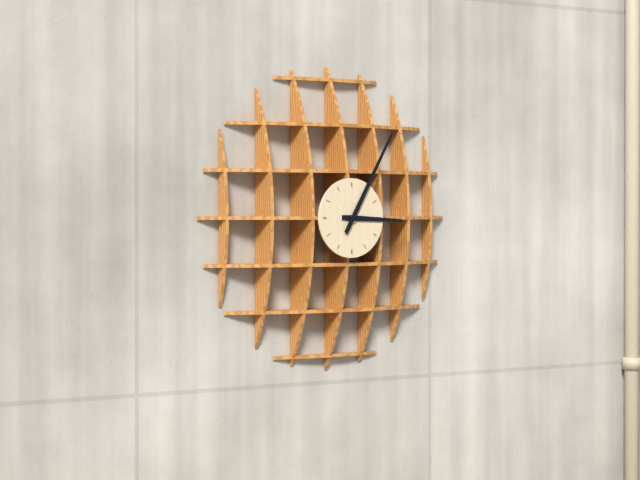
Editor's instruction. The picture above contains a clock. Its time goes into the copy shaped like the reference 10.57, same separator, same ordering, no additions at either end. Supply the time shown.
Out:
3.05
